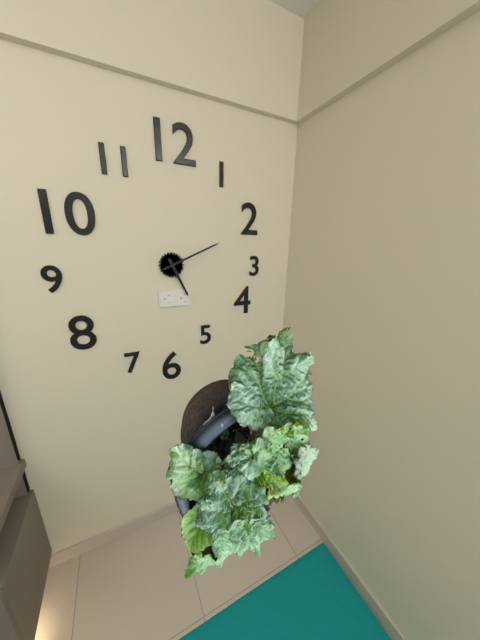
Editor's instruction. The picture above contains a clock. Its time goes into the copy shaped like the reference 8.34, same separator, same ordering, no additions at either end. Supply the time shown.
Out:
5.11
